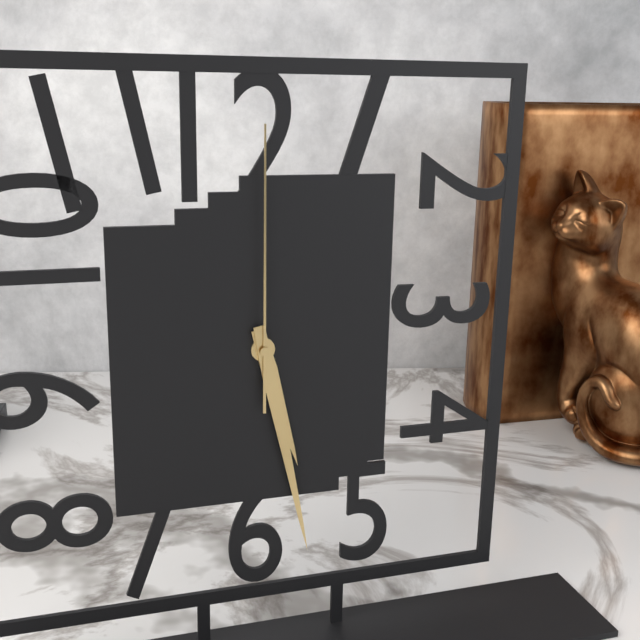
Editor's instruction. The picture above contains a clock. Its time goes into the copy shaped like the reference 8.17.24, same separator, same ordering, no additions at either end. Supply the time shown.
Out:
5.28.00
